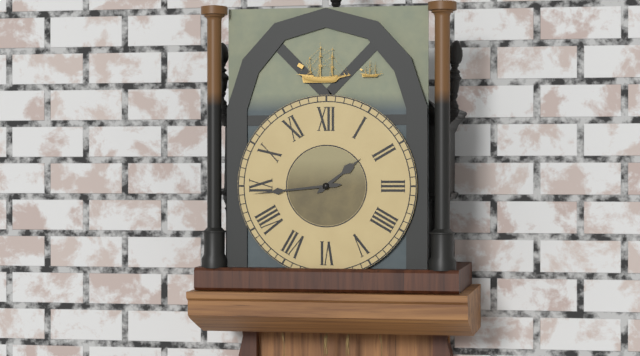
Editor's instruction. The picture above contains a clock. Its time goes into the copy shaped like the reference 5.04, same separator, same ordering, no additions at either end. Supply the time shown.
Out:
1.44
